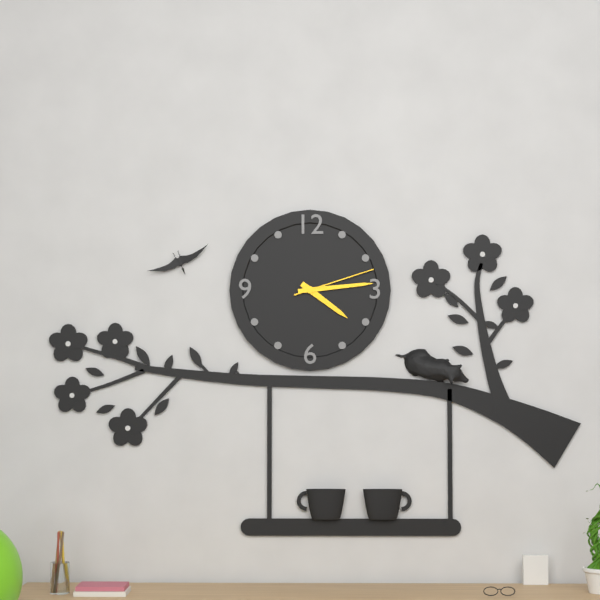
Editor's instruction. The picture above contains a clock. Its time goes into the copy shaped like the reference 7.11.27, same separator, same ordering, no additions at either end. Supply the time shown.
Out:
4.14.12
